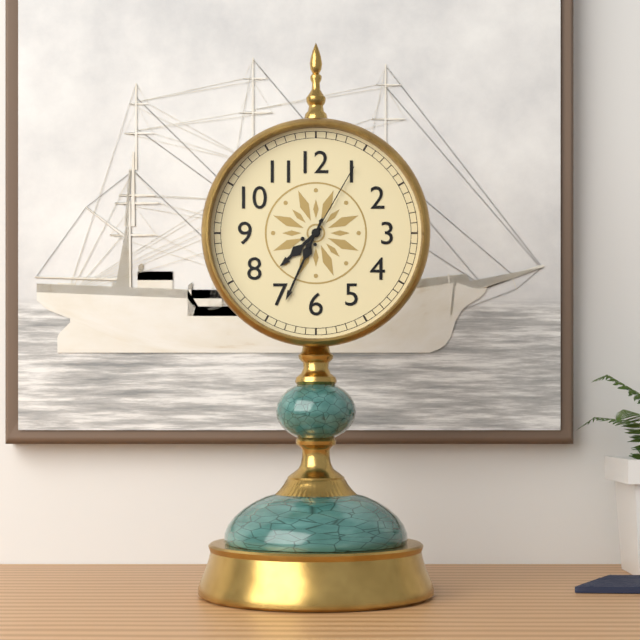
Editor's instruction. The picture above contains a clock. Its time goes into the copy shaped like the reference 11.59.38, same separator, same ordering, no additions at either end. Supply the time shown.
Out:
7.34.05
